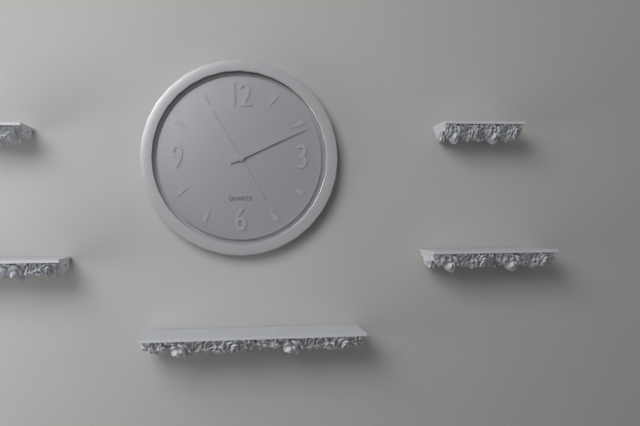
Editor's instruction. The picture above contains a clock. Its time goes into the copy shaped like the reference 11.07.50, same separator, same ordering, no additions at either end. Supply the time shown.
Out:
2.11.55
